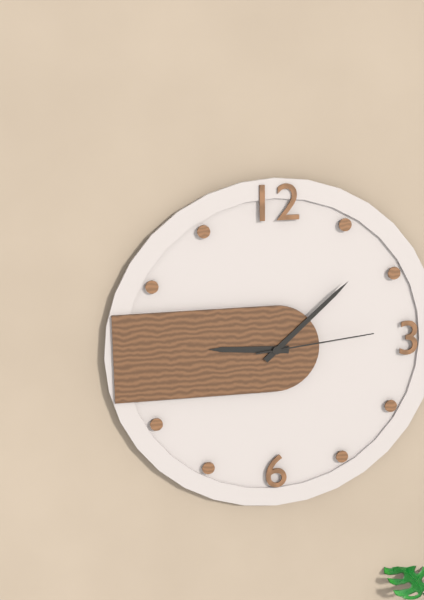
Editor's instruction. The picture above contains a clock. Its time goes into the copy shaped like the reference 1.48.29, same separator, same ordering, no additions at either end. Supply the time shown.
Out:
9.08.14
